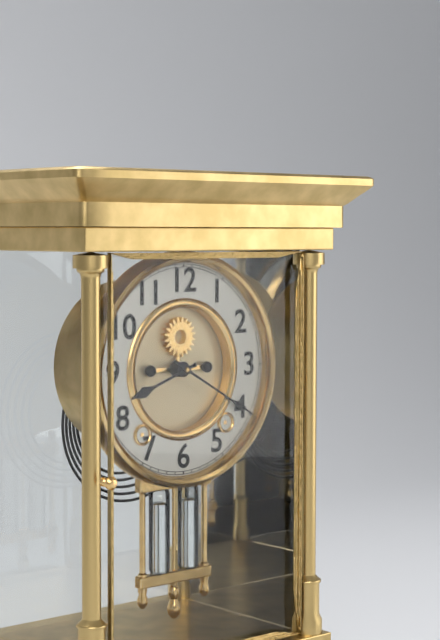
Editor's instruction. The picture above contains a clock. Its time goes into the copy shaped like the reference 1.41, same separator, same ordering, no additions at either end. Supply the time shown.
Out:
8.20
